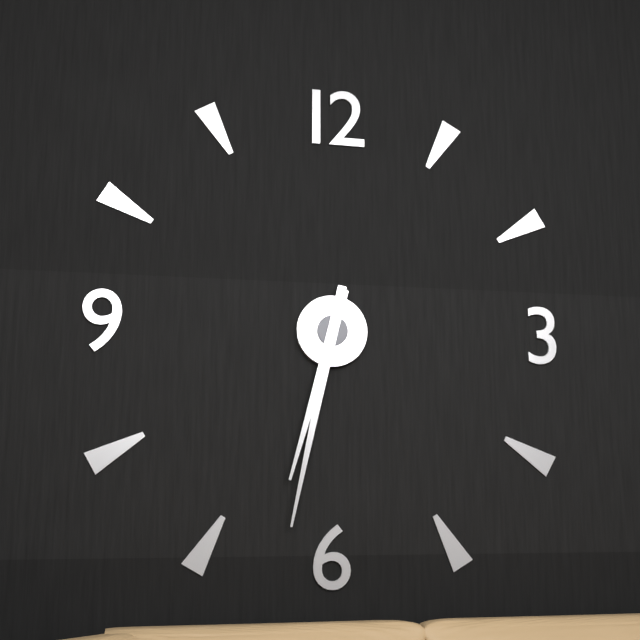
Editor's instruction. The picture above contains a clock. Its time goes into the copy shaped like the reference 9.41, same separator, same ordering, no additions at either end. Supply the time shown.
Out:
6.32
